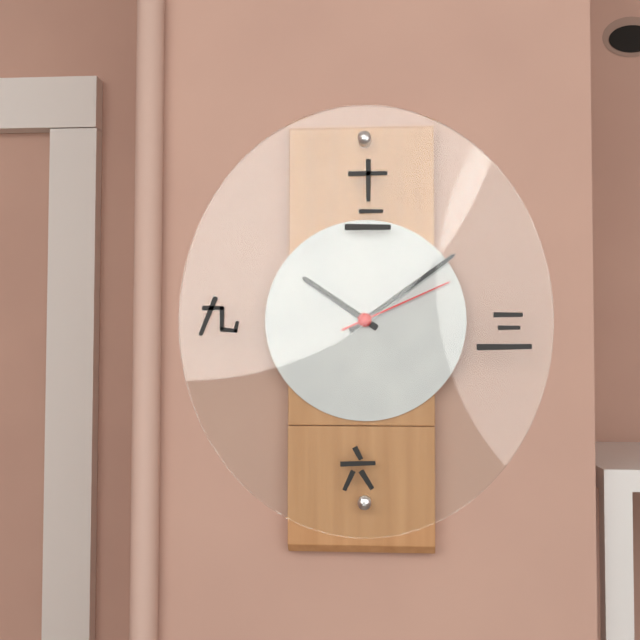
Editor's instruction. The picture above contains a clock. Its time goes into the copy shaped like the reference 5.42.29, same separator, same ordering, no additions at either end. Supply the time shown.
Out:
10.09.11
